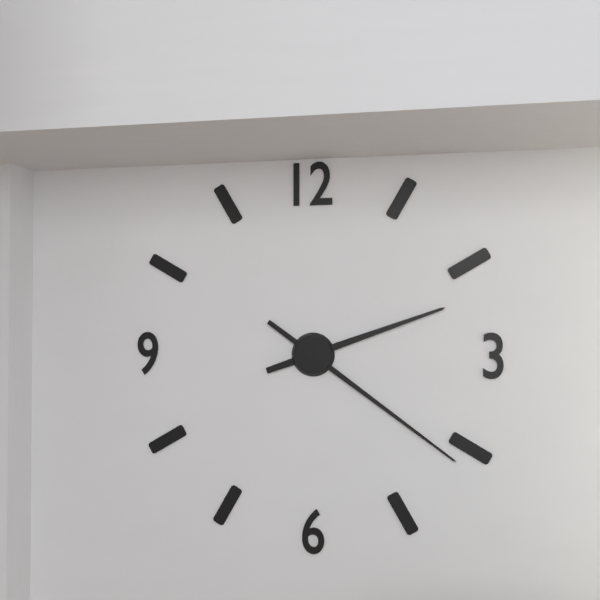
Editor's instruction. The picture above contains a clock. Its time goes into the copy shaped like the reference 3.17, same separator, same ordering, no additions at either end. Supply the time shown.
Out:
2.21
